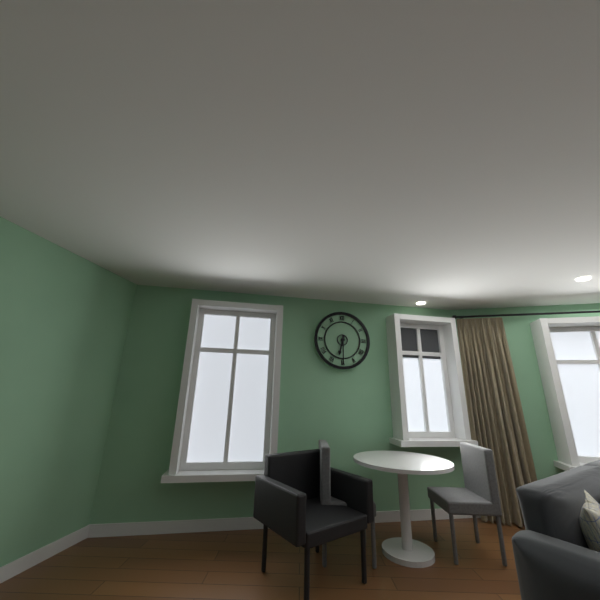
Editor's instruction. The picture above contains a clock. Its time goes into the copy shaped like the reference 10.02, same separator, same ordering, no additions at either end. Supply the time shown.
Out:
6.30
